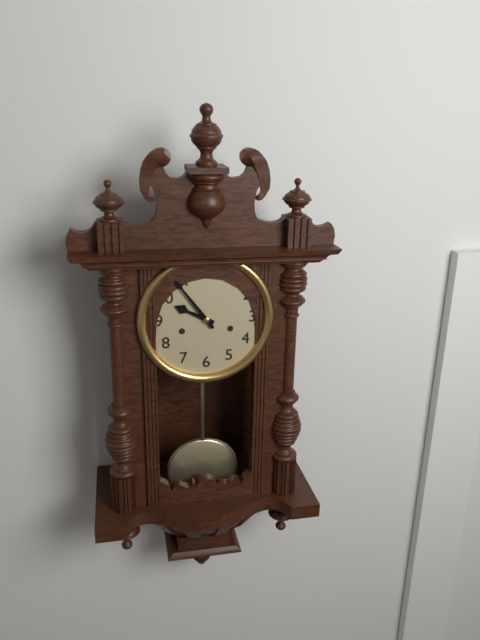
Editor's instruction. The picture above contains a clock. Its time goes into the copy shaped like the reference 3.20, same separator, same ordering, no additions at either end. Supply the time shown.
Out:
9.54
